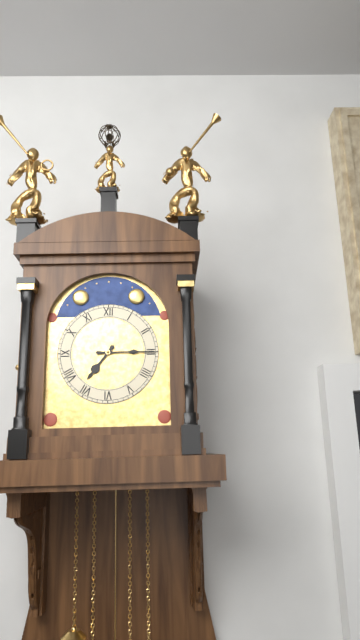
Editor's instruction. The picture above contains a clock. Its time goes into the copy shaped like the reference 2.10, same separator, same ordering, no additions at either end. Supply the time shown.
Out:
7.15
